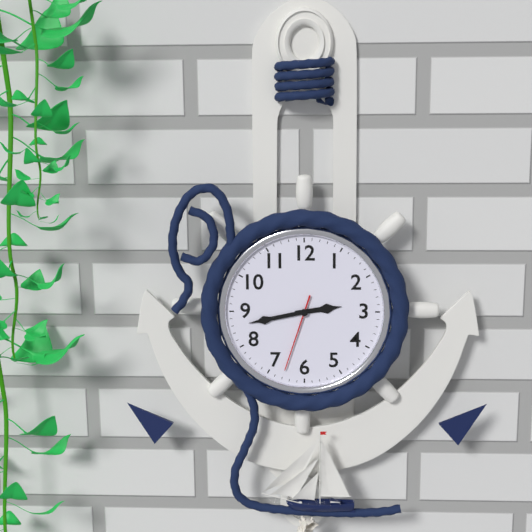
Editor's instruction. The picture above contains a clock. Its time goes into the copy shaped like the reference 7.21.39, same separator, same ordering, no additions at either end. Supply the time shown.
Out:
2.43.33
